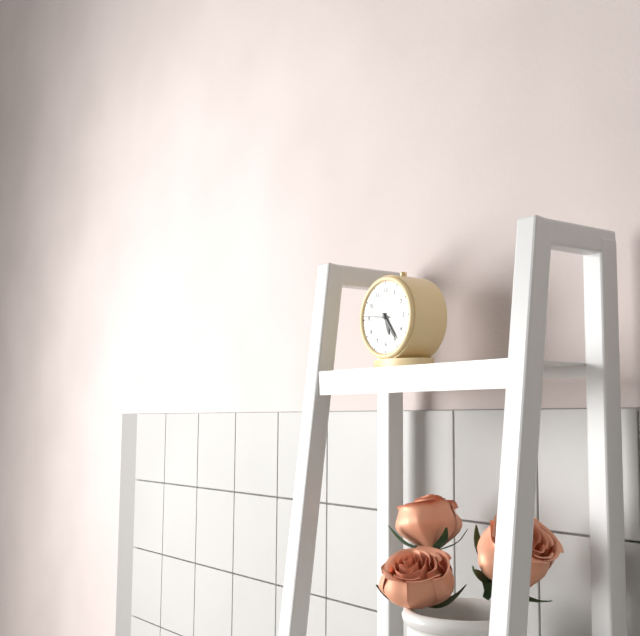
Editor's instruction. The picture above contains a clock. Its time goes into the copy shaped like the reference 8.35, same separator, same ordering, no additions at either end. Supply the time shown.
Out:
5.24
